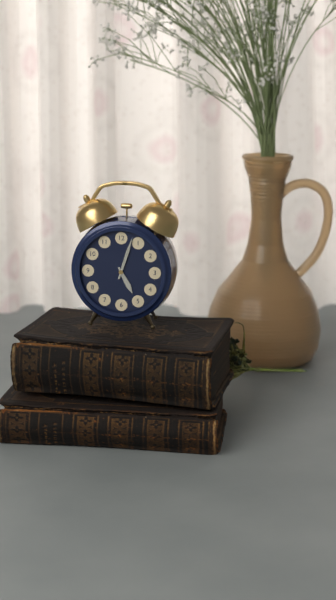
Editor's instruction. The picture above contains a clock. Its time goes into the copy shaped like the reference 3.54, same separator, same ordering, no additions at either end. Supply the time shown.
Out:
5.03
